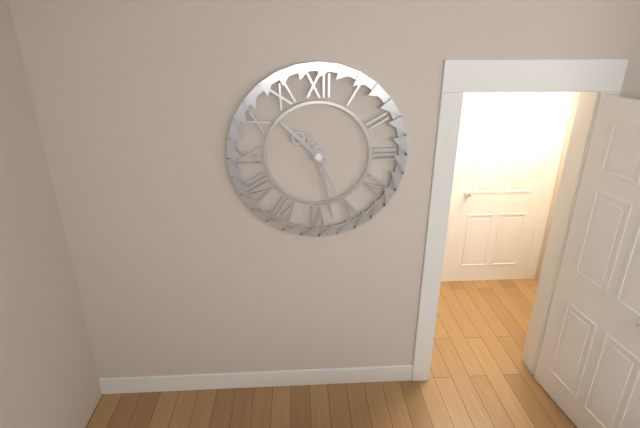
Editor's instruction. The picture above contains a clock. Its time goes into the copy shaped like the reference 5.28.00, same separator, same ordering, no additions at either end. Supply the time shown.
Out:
10.28.26
